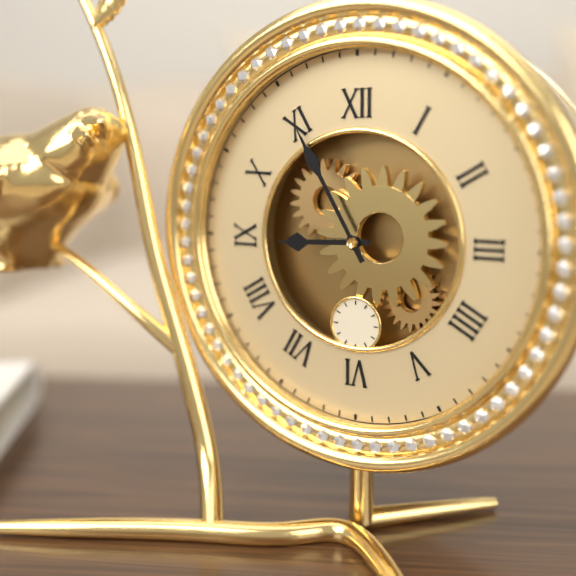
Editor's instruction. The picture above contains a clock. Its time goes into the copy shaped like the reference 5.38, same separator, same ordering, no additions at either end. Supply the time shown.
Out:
8.55
